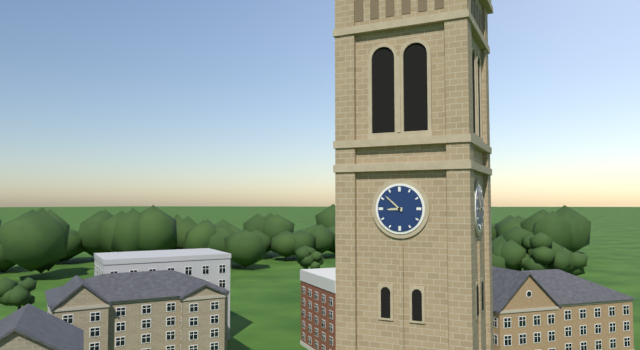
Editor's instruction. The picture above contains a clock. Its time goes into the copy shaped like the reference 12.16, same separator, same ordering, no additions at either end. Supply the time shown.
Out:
8.52
